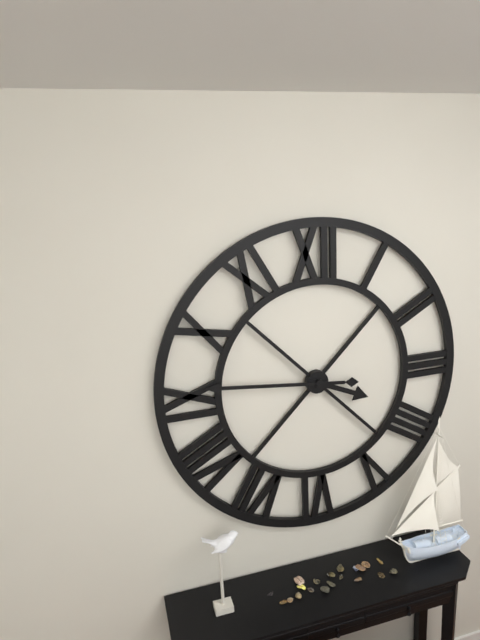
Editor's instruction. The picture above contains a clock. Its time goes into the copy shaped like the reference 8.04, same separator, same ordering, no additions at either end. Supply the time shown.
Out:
3.46
